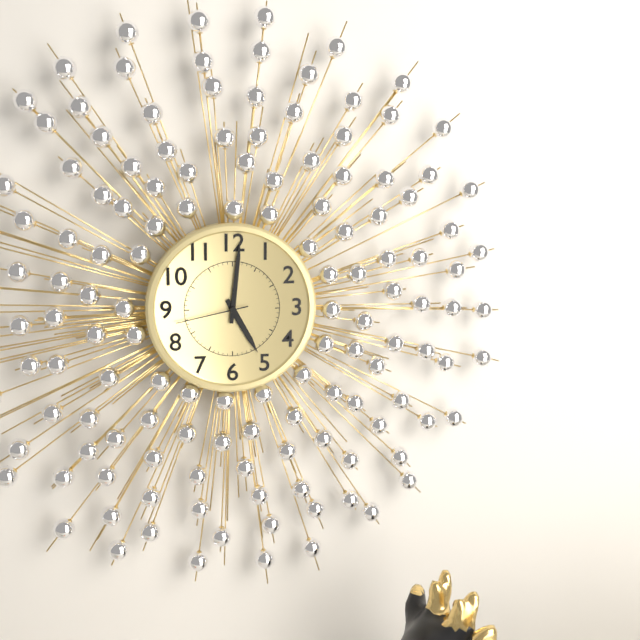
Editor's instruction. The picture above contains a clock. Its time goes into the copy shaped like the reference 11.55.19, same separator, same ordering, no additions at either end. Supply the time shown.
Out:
5.01.43
